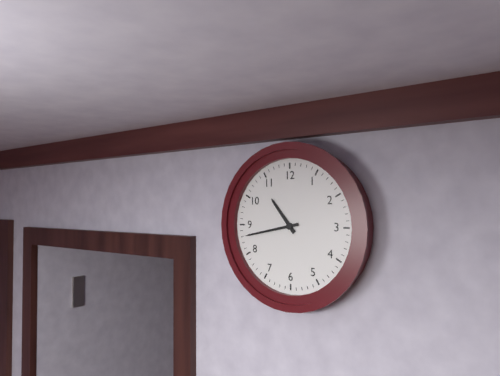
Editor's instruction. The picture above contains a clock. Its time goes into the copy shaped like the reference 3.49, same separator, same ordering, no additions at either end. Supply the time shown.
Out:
10.43
